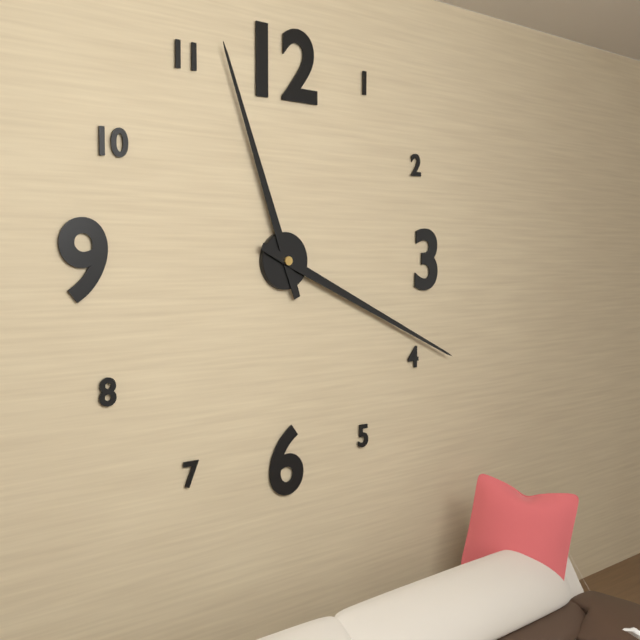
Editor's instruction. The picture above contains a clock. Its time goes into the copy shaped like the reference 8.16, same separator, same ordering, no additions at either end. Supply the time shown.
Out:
11.19
